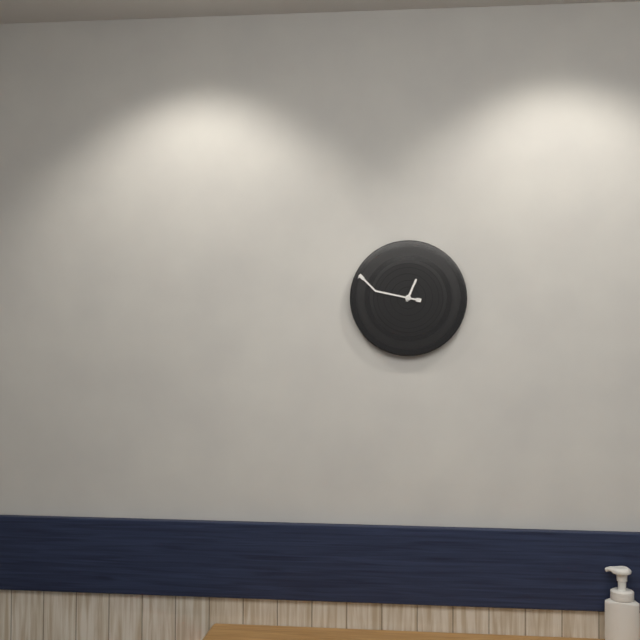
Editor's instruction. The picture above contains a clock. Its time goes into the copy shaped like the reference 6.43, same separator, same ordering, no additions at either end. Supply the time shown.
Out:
12.47
